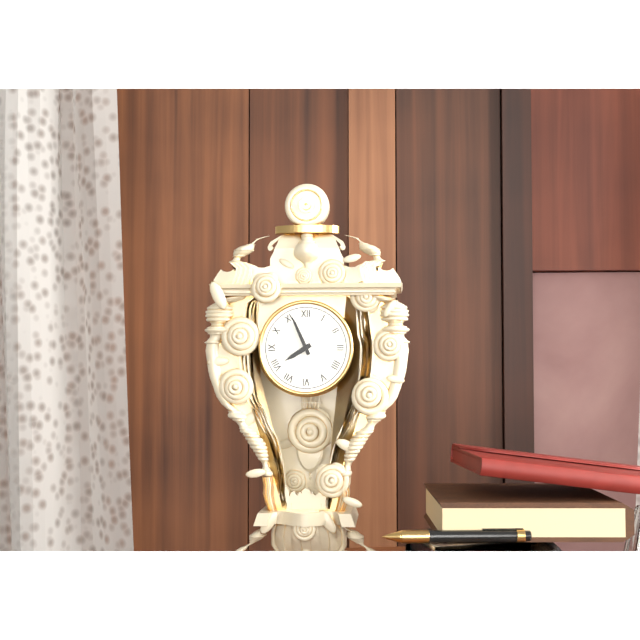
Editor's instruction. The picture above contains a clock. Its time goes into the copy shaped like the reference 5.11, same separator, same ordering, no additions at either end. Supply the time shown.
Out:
7.56
